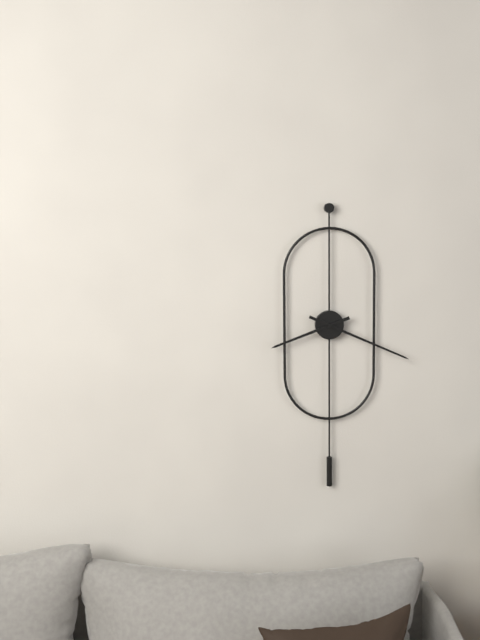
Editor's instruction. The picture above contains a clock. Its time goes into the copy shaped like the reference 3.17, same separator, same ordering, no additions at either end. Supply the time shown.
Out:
8.19
